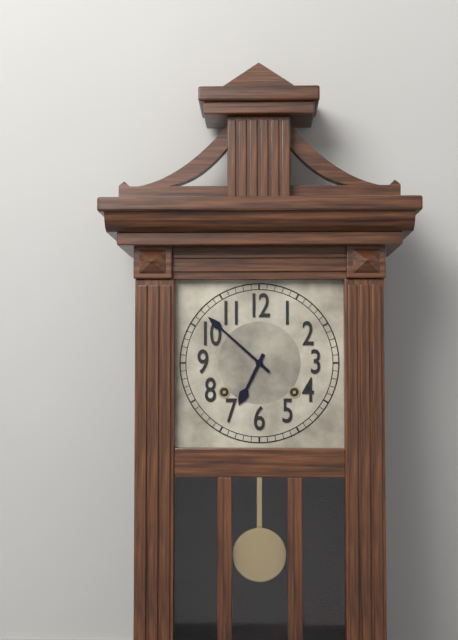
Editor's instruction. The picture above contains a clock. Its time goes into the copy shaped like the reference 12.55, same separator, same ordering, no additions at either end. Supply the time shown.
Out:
6.52
